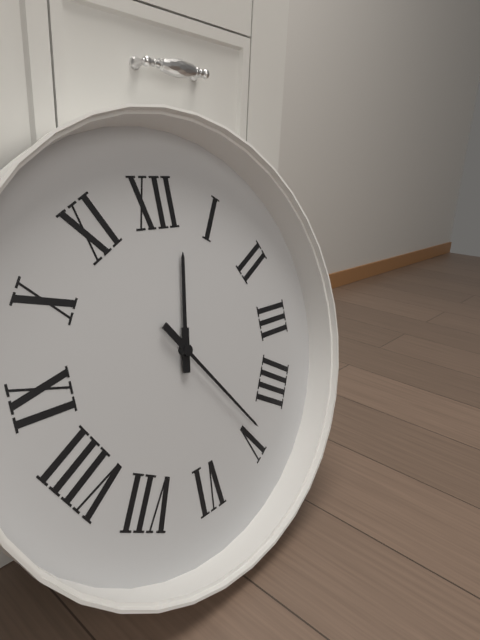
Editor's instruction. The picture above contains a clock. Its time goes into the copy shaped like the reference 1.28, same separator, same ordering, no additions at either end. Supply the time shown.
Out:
12.24
